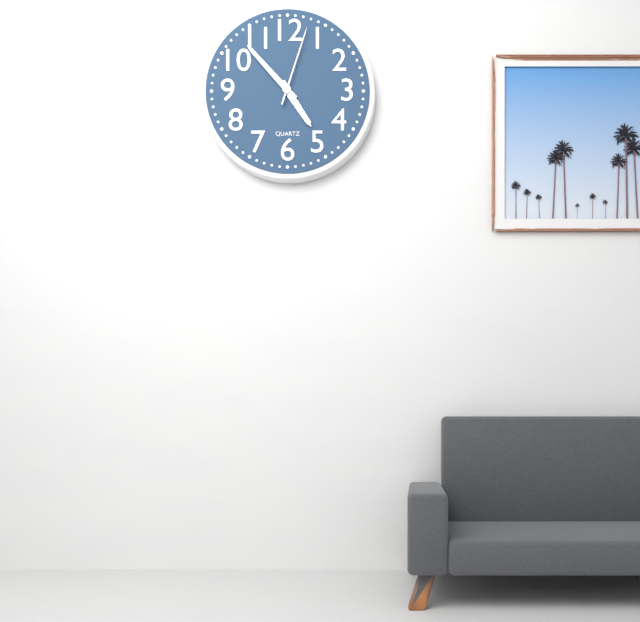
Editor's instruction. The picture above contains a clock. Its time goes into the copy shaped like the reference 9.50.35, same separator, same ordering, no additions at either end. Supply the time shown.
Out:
4.53.03
